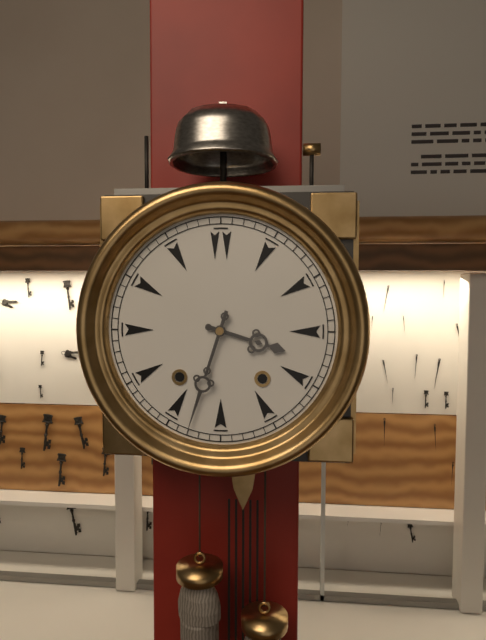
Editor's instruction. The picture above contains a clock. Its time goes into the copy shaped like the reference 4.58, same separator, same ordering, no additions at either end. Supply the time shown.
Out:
3.33
